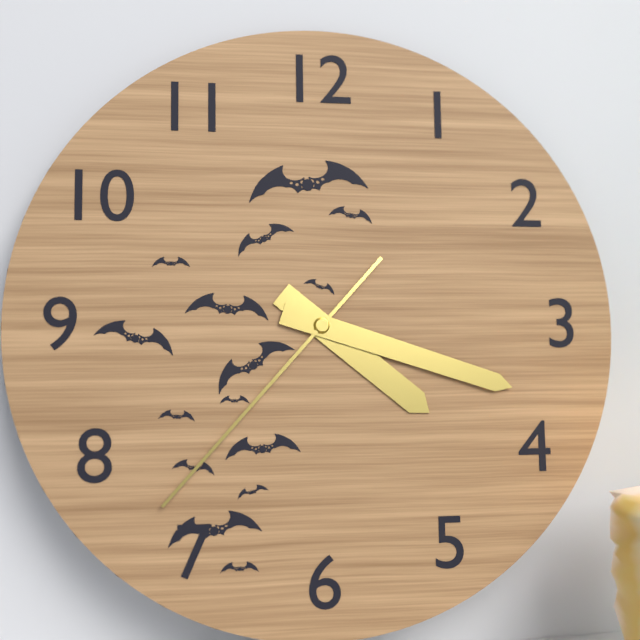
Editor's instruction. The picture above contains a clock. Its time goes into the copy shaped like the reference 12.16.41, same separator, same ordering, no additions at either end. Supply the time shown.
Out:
4.18.37
